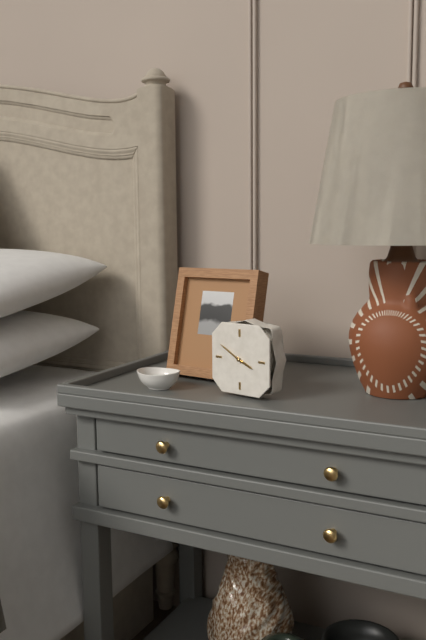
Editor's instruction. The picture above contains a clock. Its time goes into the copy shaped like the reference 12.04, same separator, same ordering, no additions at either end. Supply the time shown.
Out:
3.50
